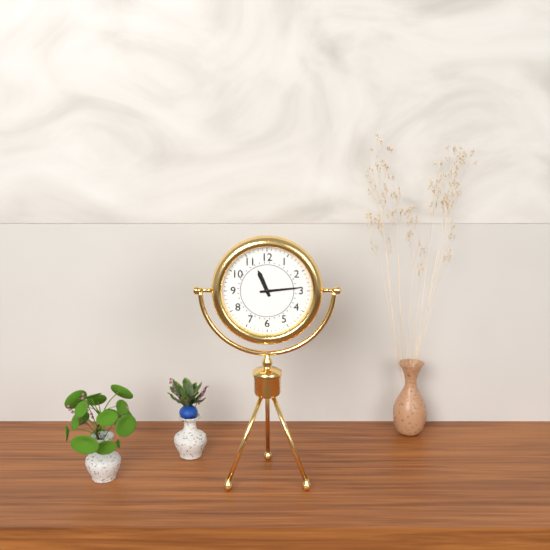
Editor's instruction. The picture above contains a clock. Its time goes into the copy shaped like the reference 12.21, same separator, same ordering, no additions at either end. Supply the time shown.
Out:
11.14
